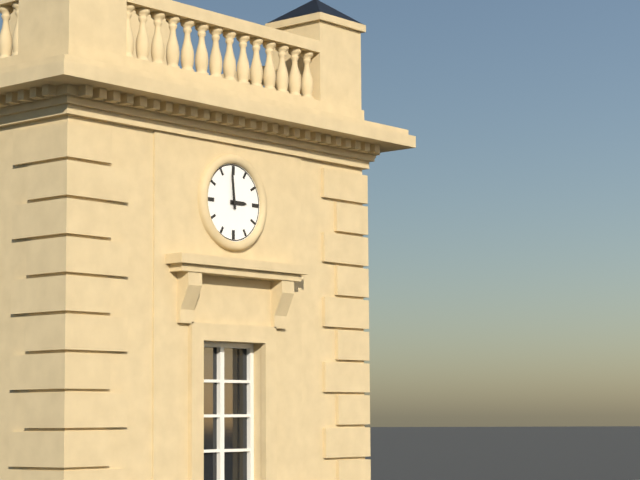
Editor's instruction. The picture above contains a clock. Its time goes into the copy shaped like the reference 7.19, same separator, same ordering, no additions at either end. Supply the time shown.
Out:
2.59
